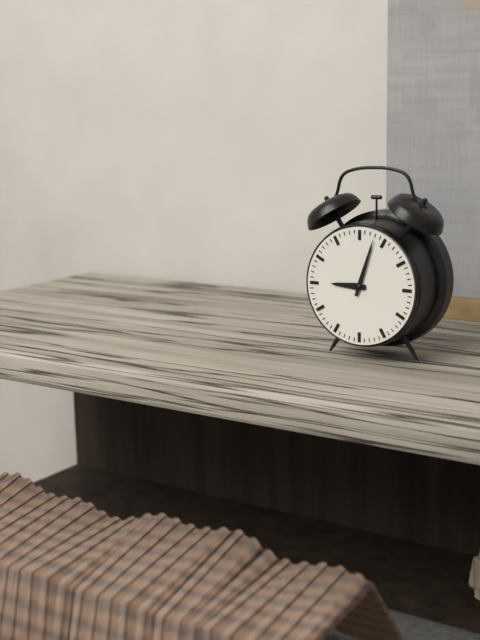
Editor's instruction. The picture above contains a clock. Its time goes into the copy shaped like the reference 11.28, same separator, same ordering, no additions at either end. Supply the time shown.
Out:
9.03
